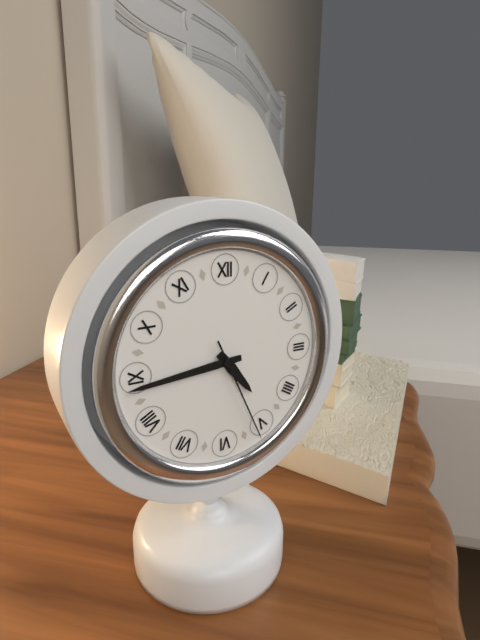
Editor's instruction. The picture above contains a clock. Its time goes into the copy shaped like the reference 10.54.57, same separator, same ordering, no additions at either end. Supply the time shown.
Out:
4.44.26
